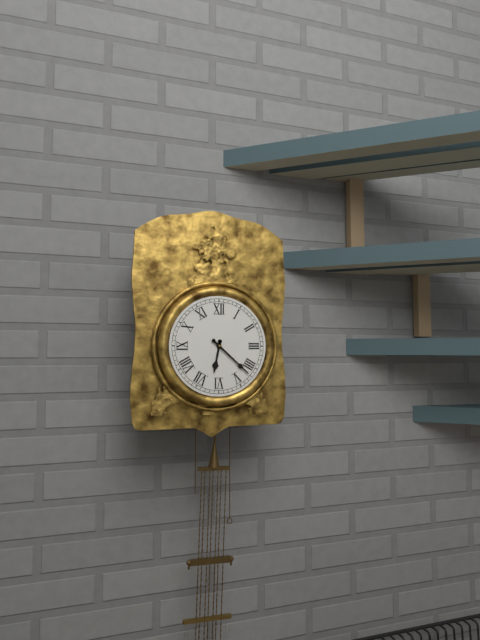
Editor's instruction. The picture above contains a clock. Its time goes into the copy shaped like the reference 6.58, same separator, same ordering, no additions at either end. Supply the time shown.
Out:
6.22
